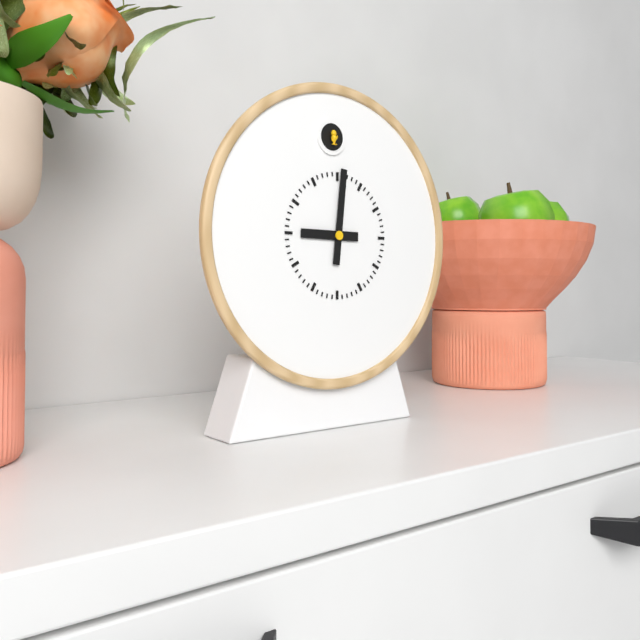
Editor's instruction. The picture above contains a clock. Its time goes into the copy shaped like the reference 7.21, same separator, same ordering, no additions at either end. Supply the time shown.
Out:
9.01
